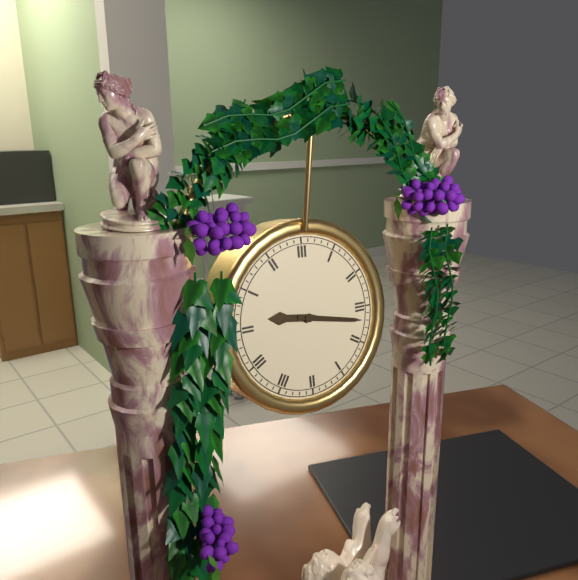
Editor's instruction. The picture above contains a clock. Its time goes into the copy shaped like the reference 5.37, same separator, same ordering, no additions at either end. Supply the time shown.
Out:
9.17
